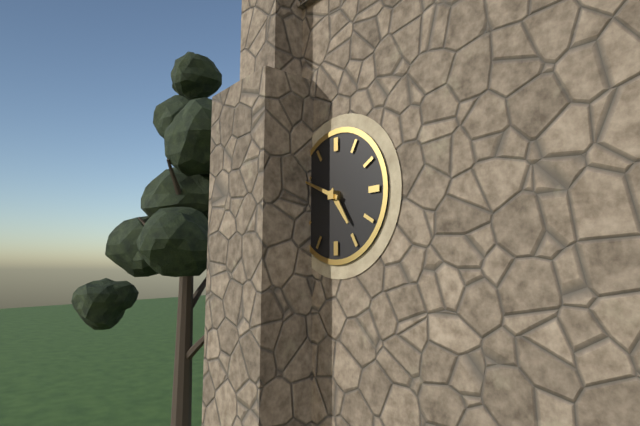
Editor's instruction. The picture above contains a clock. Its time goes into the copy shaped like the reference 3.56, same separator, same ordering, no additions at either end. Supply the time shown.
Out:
4.49
